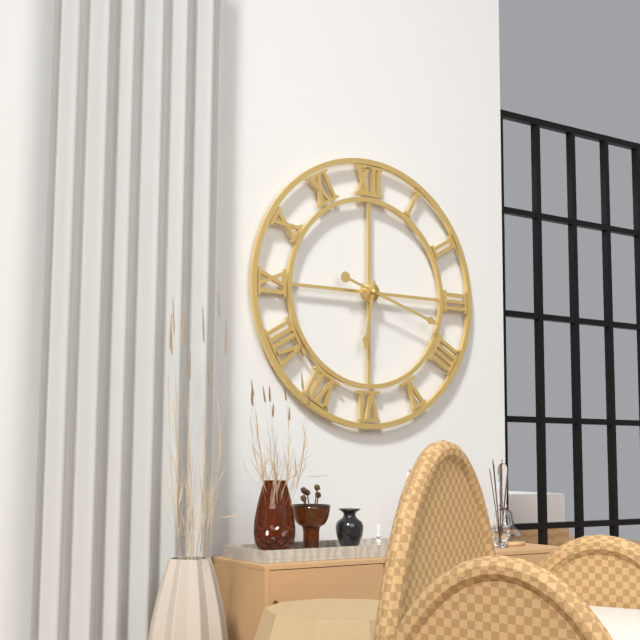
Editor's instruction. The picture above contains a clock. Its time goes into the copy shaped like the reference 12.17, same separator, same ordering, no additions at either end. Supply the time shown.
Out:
6.18
